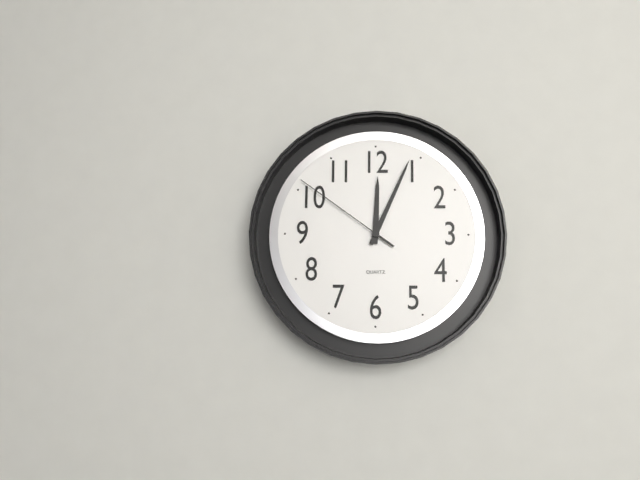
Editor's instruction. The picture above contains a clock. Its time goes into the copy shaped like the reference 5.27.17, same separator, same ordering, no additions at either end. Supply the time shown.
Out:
12.04.51
